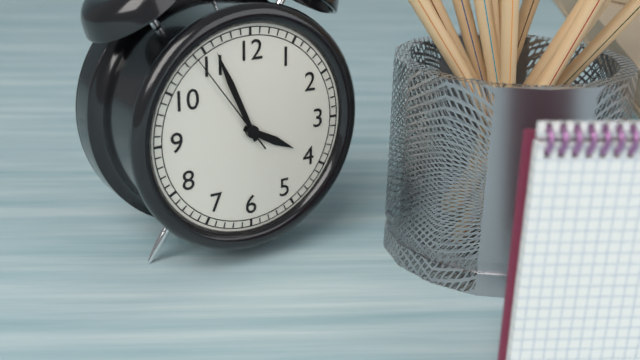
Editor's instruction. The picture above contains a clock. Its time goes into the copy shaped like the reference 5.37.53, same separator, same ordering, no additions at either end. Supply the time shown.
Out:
3.56.54
